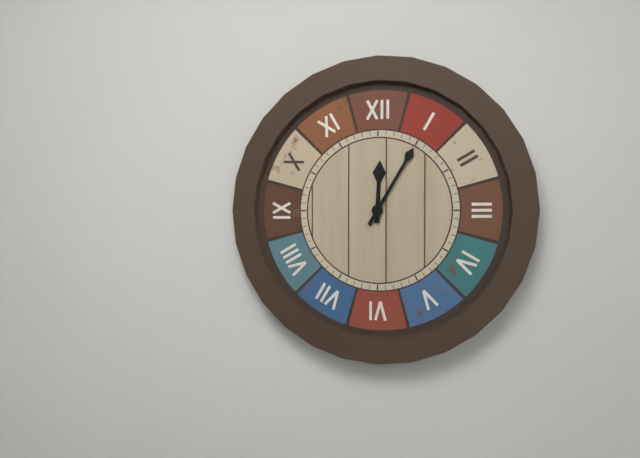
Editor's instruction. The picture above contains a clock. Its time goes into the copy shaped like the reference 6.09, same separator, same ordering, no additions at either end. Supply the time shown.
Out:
12.05
